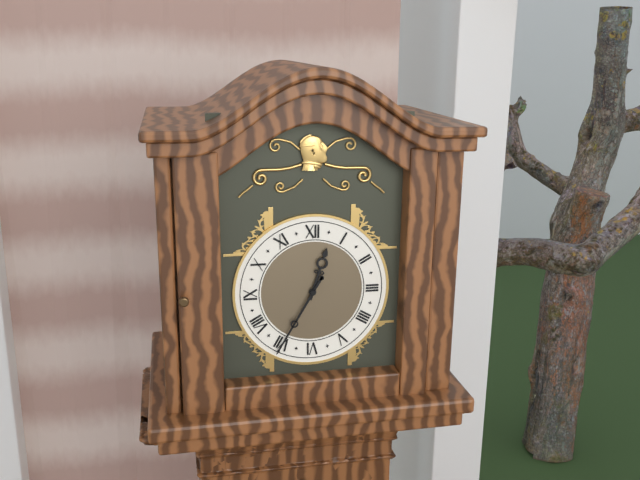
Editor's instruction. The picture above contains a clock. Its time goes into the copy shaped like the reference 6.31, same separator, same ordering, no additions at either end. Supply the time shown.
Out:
12.35
